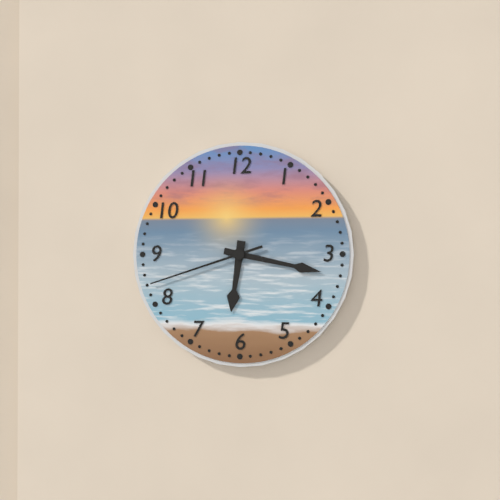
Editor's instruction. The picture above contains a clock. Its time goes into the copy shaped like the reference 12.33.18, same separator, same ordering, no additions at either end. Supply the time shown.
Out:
6.17.42
